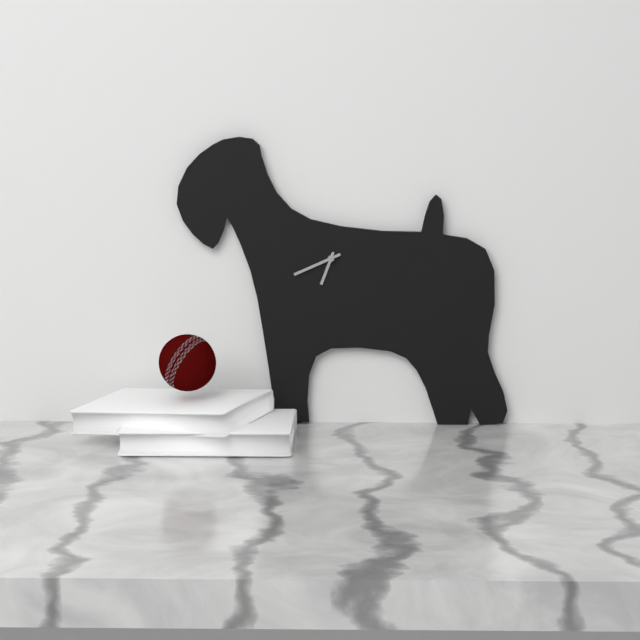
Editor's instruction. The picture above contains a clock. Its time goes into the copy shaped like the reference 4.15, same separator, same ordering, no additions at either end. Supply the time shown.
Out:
6.41
